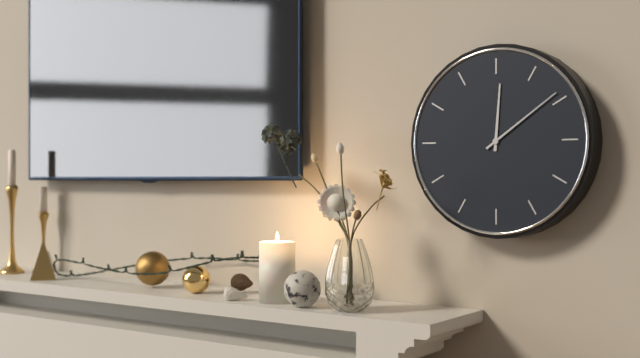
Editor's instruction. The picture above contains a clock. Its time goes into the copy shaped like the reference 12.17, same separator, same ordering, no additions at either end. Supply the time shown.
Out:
12.09
